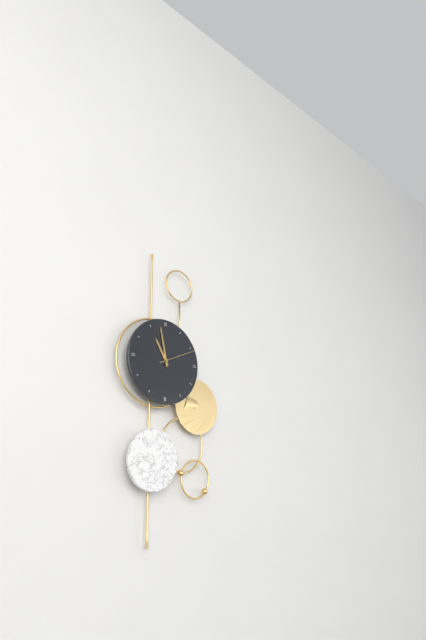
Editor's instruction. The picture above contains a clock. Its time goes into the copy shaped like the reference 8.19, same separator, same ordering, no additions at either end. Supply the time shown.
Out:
10.58
